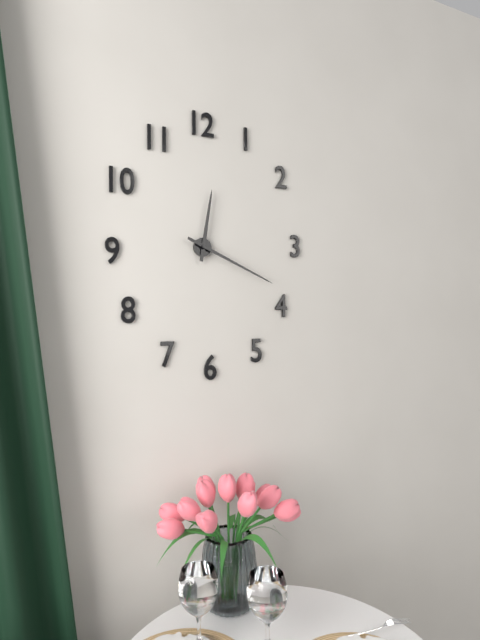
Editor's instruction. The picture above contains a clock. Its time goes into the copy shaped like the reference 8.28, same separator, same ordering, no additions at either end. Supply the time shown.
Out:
12.19
